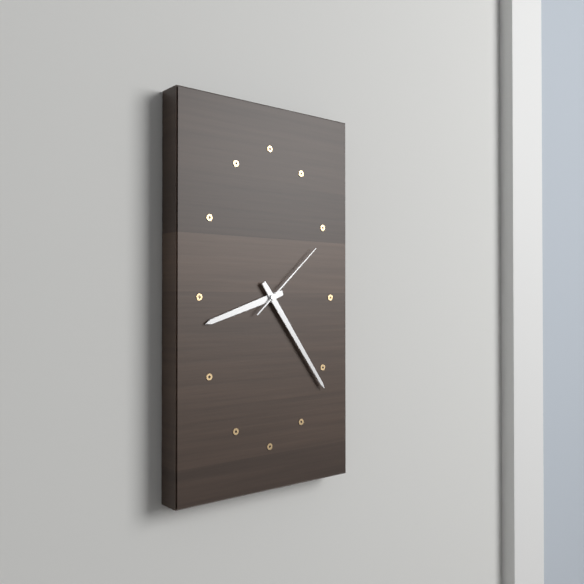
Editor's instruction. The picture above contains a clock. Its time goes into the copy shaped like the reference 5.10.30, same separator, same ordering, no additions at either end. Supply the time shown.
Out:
8.24.08
